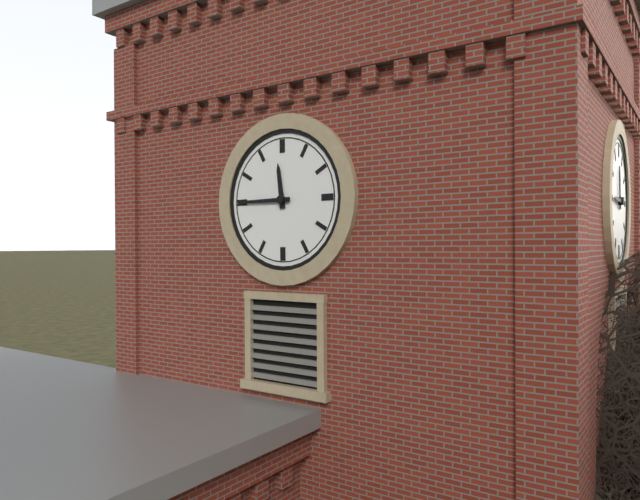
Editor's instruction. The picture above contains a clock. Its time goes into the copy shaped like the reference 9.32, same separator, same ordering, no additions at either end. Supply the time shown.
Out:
11.45
